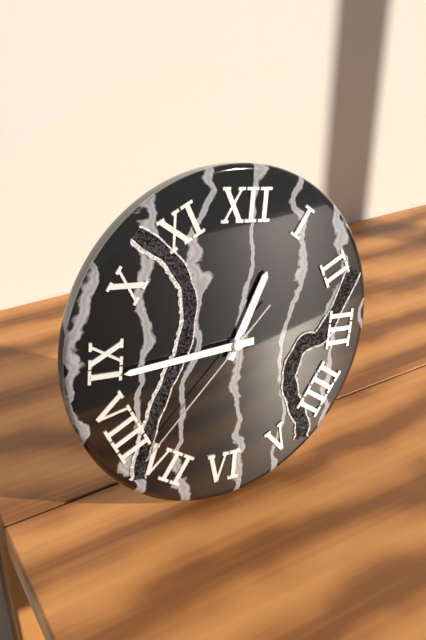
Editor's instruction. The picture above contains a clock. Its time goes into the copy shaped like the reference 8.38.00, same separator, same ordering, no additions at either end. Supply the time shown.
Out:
12.44.37
